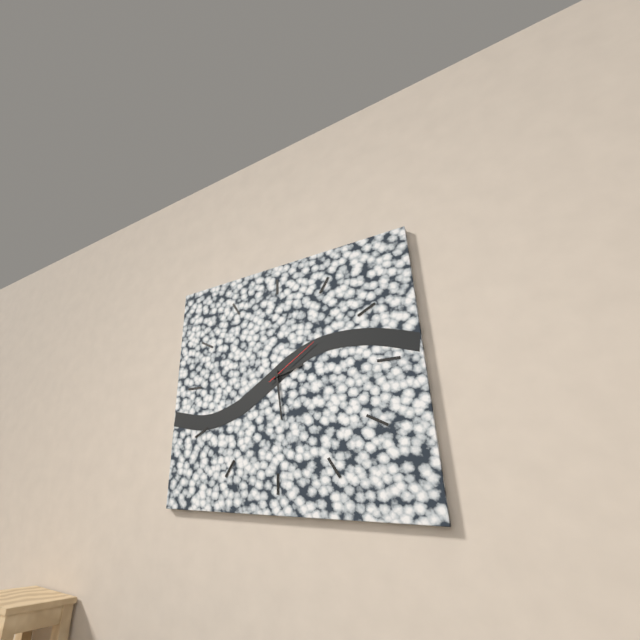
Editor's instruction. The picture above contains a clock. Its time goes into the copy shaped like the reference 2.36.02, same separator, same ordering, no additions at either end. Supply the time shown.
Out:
2.29.09
